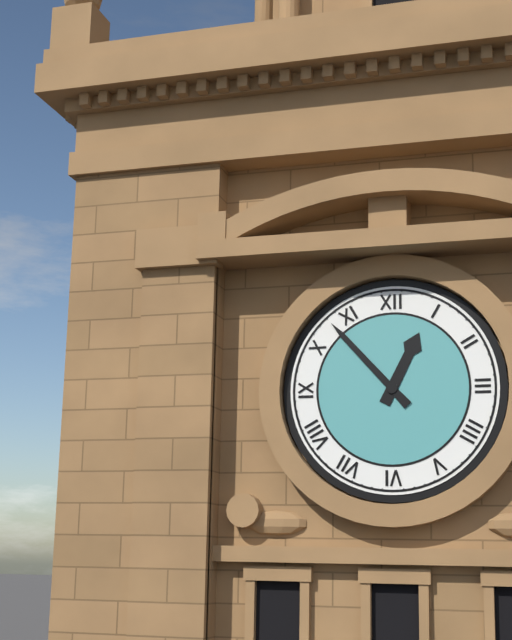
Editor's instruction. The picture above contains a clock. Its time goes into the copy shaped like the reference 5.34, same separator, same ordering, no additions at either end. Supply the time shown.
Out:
12.53
